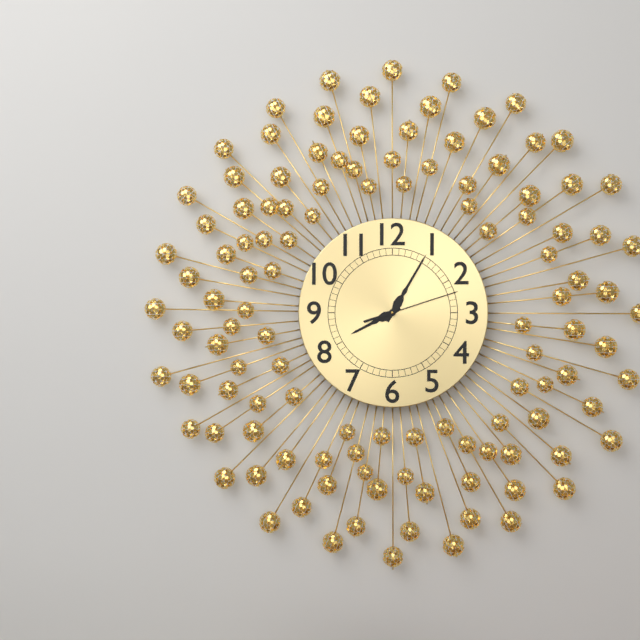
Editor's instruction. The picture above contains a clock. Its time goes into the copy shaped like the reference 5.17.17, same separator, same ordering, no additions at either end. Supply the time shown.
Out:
8.05.12
